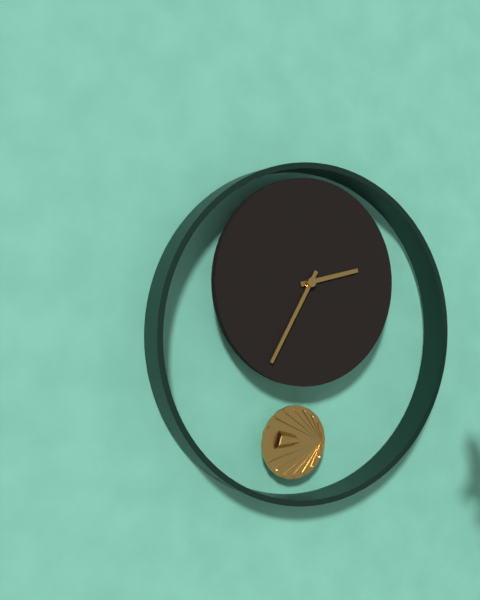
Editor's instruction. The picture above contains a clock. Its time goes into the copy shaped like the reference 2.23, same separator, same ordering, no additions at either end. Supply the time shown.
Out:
2.35
